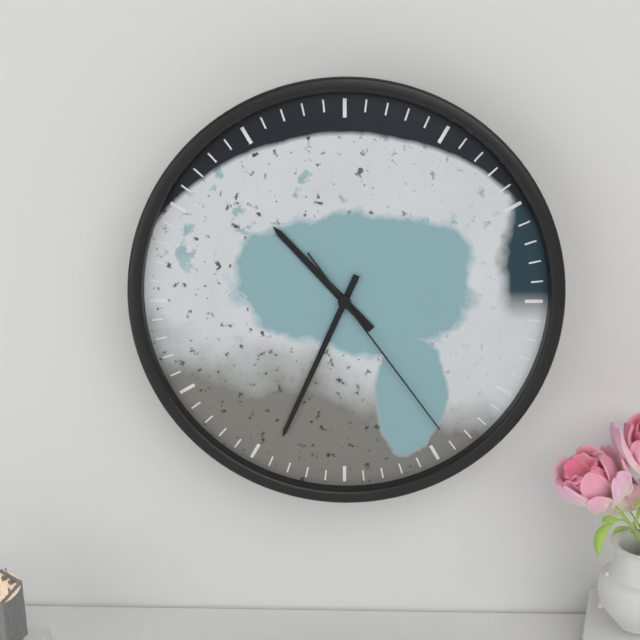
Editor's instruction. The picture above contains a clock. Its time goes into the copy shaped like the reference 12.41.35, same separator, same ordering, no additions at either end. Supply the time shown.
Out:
10.34.24
